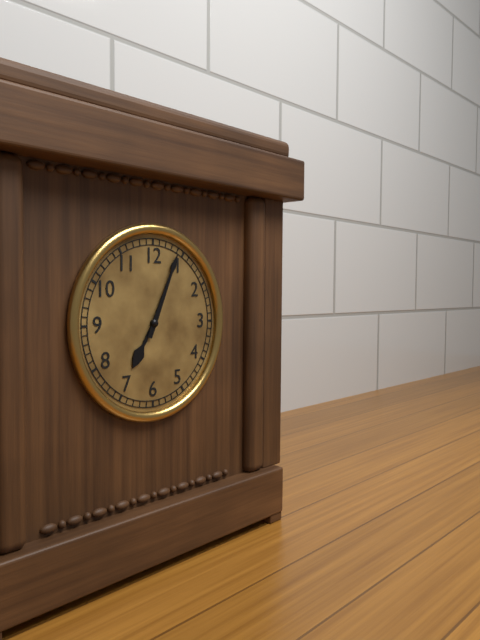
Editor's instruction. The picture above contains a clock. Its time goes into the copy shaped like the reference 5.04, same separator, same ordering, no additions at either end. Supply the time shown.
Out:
7.04
